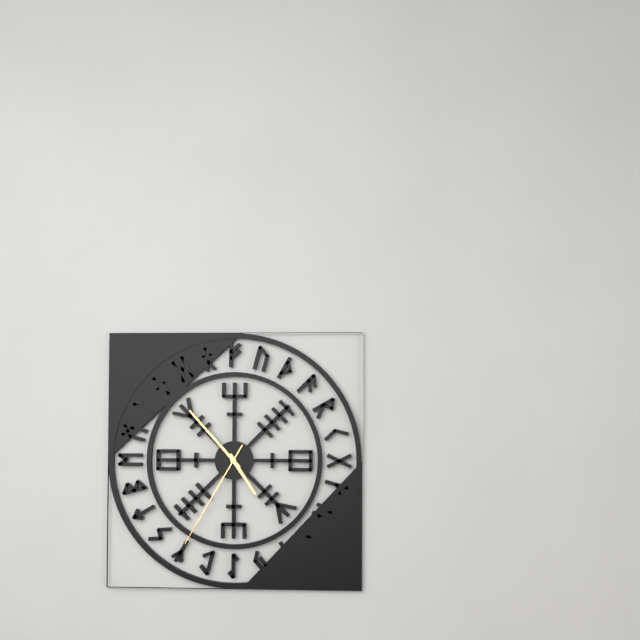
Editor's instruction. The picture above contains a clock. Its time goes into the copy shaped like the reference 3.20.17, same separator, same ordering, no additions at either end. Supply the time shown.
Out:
4.53.35
